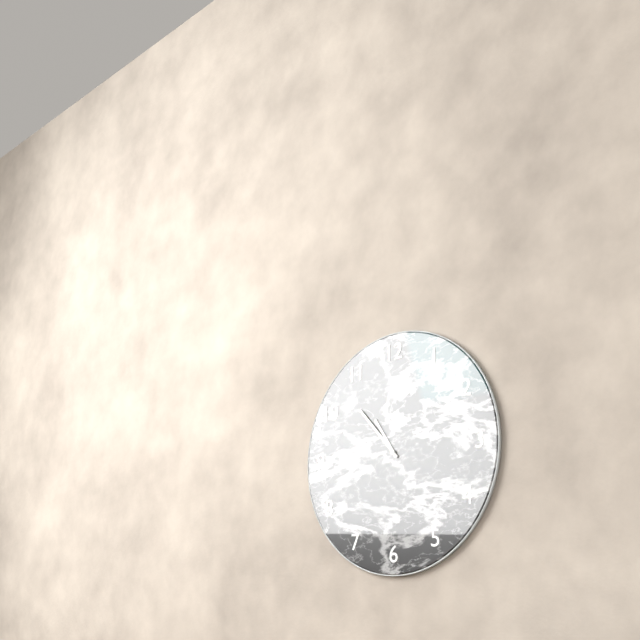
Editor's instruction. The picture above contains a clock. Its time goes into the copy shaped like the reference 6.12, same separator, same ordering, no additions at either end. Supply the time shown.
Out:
10.53
